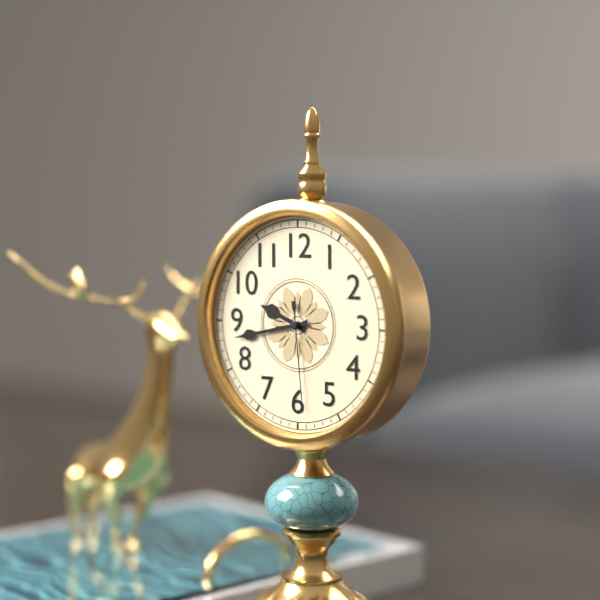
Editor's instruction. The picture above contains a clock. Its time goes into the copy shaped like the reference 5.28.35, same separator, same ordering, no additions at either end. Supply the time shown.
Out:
9.43.29
